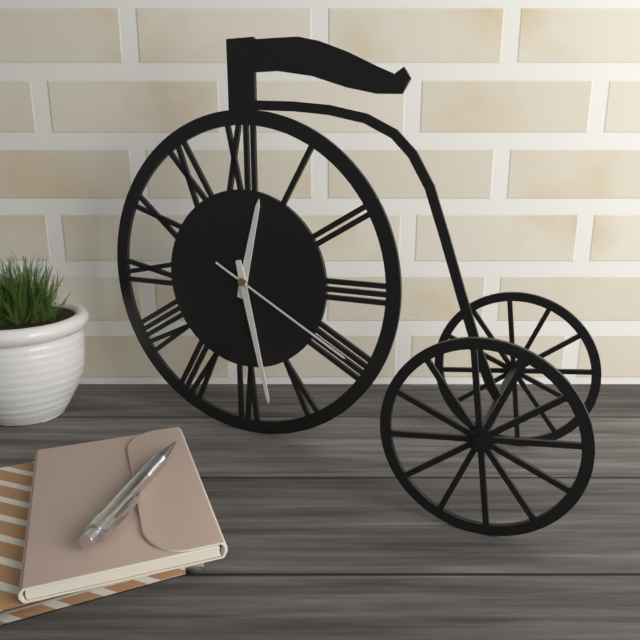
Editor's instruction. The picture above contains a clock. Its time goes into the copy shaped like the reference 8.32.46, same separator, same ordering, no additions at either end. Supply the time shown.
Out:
12.28.20
